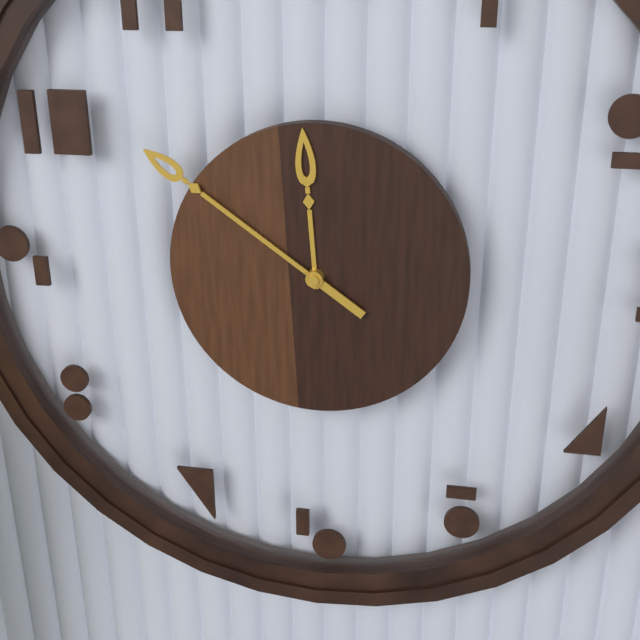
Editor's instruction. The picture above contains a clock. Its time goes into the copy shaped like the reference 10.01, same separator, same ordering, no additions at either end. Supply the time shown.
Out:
11.51
